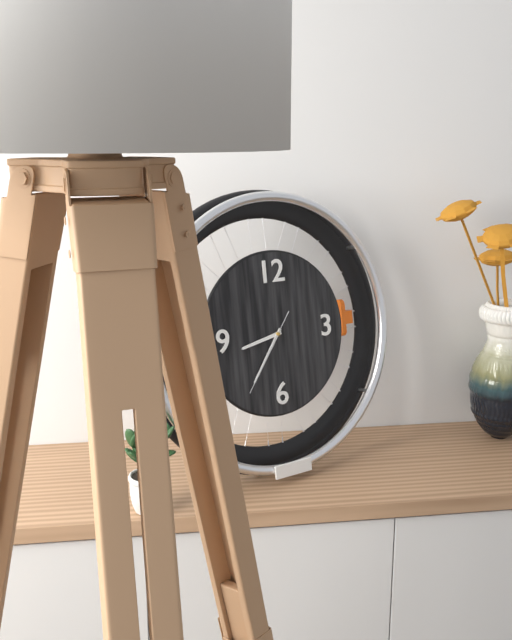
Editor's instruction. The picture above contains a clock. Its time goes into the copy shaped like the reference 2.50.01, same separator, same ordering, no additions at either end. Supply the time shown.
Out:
8.36.36
